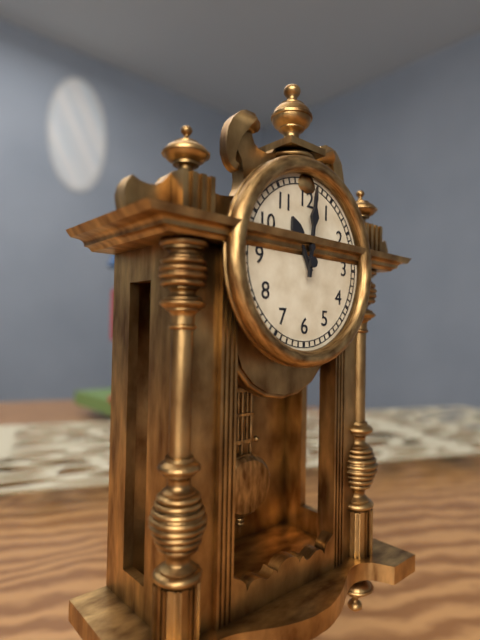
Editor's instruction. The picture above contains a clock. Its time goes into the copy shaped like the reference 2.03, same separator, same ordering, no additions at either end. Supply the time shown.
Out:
11.01
